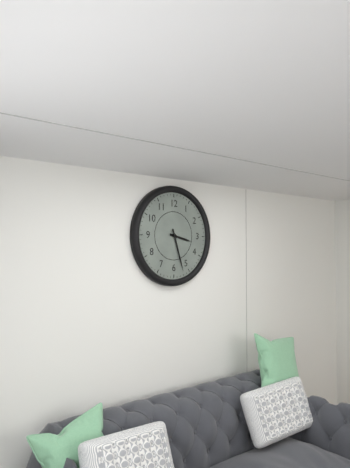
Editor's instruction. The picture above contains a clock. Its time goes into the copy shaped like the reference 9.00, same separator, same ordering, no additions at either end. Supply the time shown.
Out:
3.27
